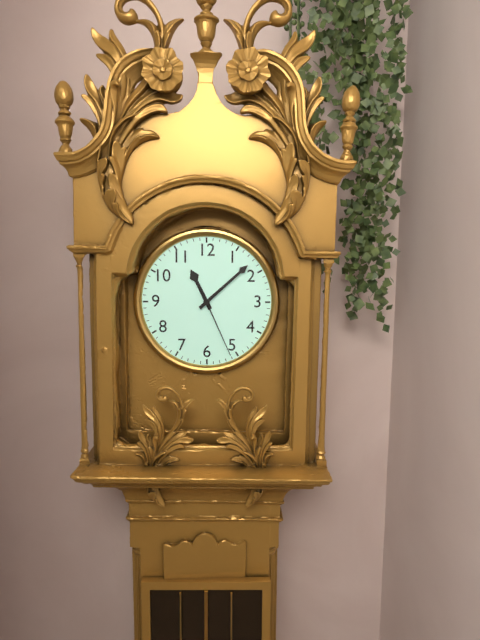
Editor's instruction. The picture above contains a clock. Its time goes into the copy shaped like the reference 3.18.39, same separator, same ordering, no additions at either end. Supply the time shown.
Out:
11.08.26
